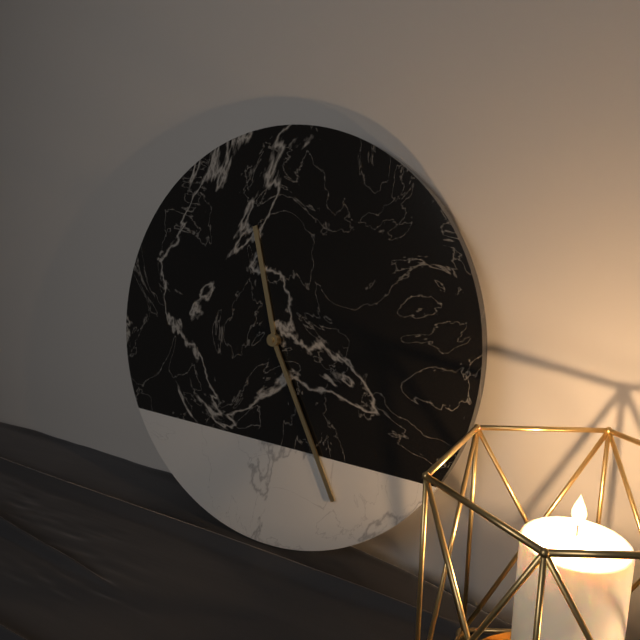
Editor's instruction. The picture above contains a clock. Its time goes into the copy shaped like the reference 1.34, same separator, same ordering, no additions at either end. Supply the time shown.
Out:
11.25
